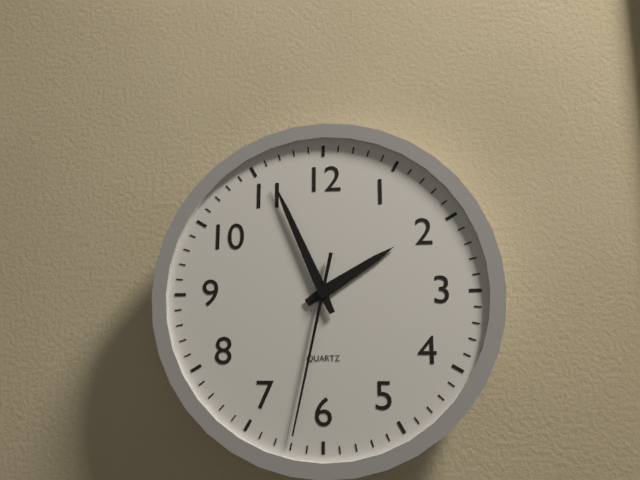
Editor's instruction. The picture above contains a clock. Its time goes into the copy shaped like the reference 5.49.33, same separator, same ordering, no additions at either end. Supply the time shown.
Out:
1.56.32
